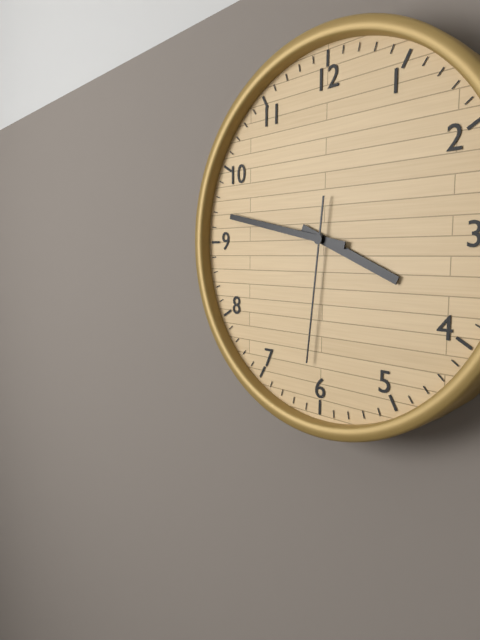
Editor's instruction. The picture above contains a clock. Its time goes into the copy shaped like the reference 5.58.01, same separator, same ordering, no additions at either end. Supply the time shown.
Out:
3.47.31
